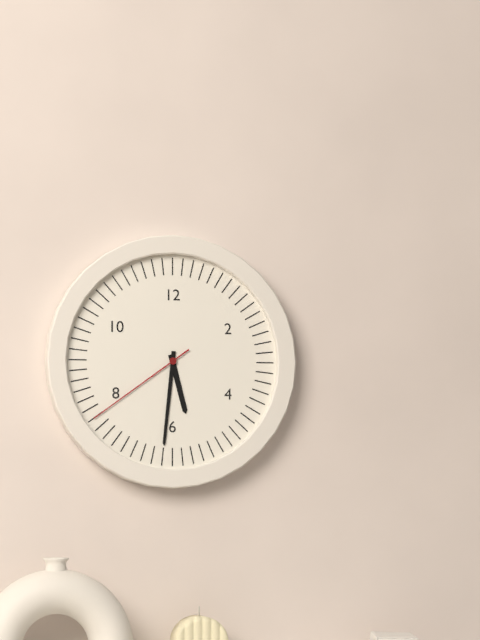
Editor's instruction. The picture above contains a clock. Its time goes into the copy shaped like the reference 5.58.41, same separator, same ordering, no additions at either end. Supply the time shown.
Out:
5.31.39
